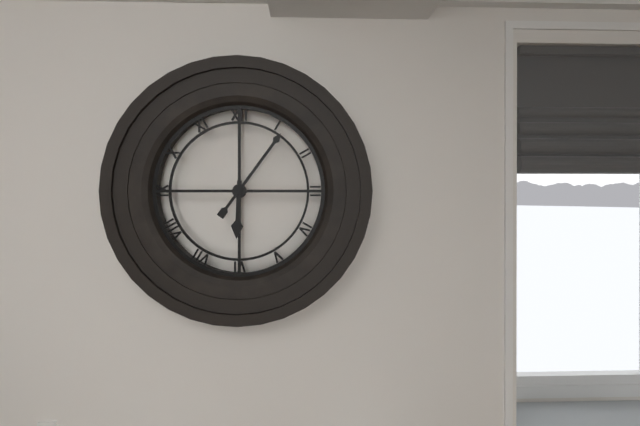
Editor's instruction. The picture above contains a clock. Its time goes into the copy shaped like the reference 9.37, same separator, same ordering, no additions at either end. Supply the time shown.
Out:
6.06
